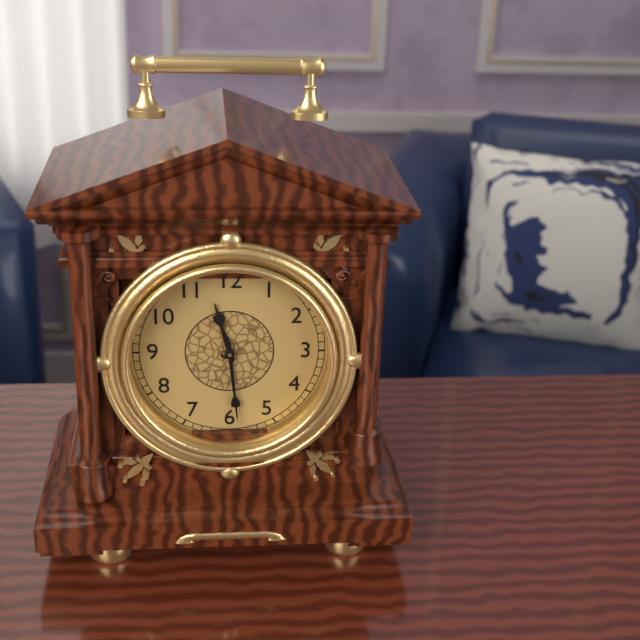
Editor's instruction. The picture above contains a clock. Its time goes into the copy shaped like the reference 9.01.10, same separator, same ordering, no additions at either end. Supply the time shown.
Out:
11.29.29
